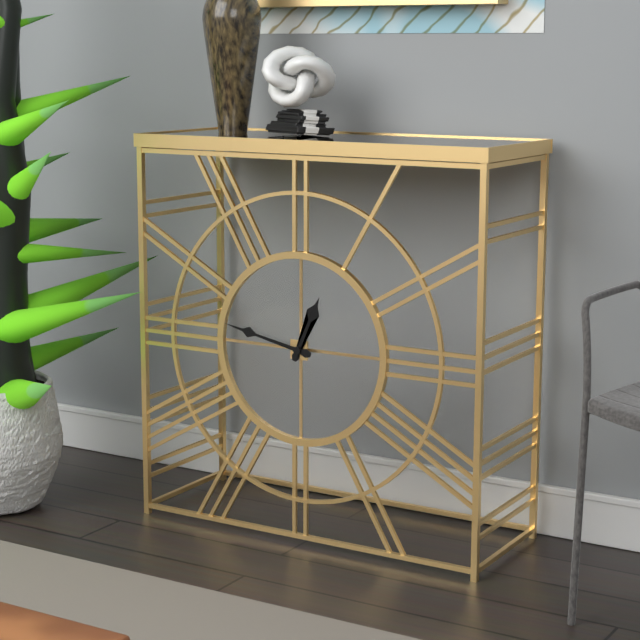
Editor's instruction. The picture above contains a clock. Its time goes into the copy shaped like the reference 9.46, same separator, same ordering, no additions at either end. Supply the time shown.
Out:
12.47
